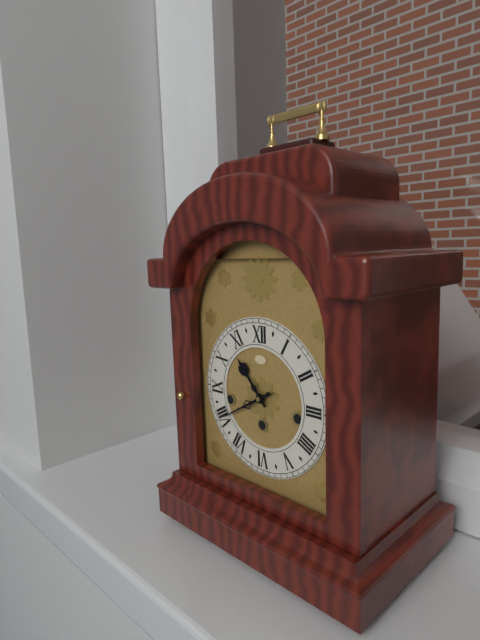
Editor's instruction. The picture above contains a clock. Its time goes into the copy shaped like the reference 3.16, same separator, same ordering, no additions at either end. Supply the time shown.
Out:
10.40
